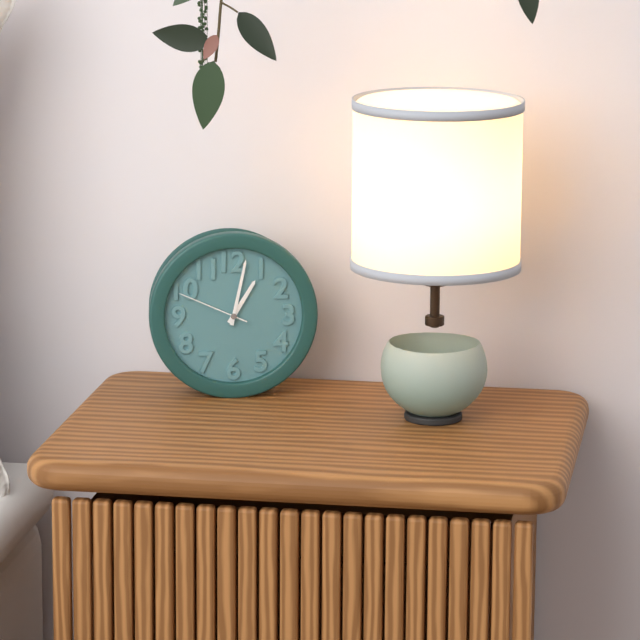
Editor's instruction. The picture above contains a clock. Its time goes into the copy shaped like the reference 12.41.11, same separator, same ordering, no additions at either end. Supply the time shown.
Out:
1.02.49
